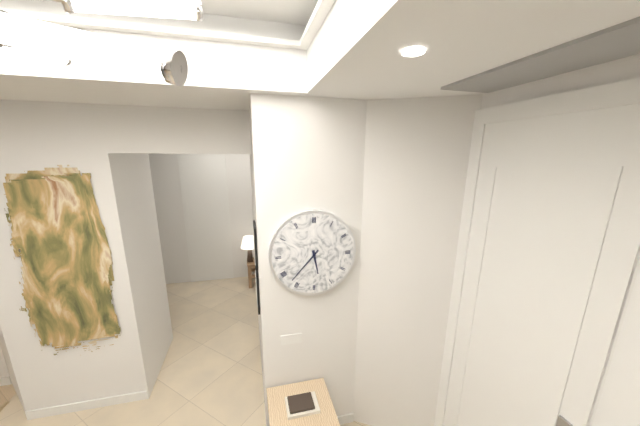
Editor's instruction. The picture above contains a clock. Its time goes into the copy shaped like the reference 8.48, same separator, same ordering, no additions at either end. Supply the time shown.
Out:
5.37
